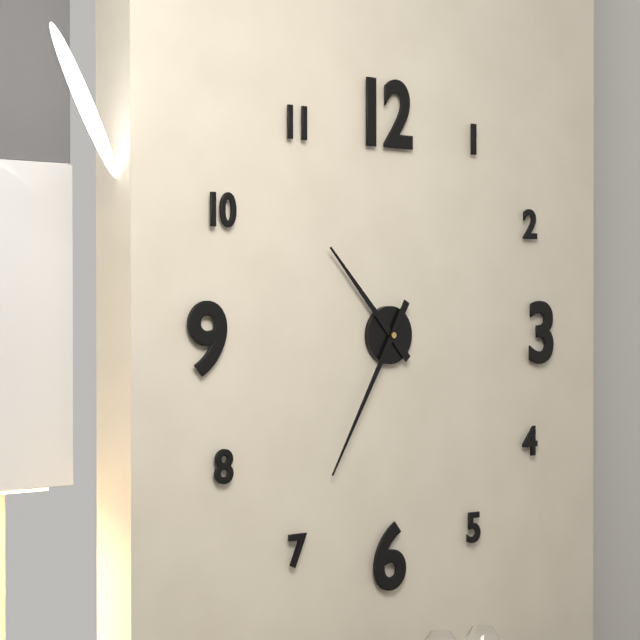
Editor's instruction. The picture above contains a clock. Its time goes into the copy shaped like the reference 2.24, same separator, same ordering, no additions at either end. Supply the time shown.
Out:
10.35
